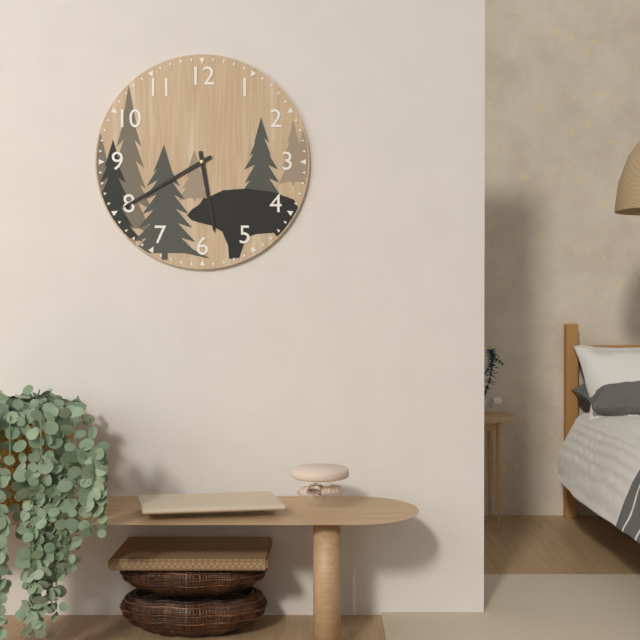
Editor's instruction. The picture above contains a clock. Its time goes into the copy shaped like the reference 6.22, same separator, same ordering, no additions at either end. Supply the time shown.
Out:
5.40
